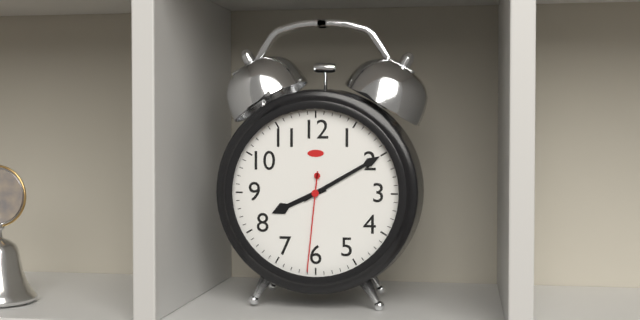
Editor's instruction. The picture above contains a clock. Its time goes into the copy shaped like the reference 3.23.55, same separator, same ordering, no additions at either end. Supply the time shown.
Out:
8.10.31
